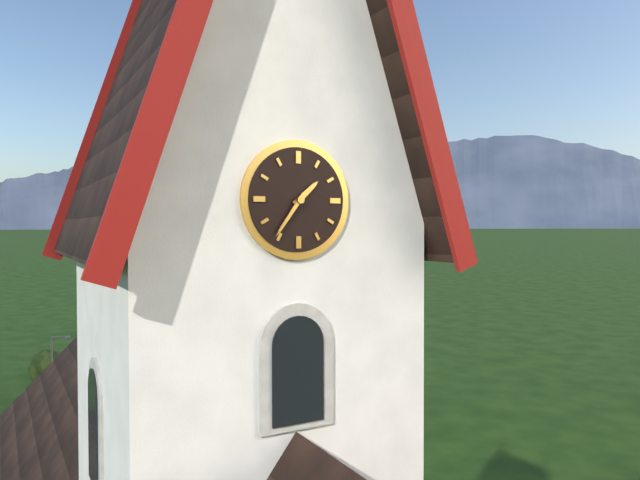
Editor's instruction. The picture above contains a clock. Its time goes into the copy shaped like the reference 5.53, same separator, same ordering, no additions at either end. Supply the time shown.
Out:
1.36
